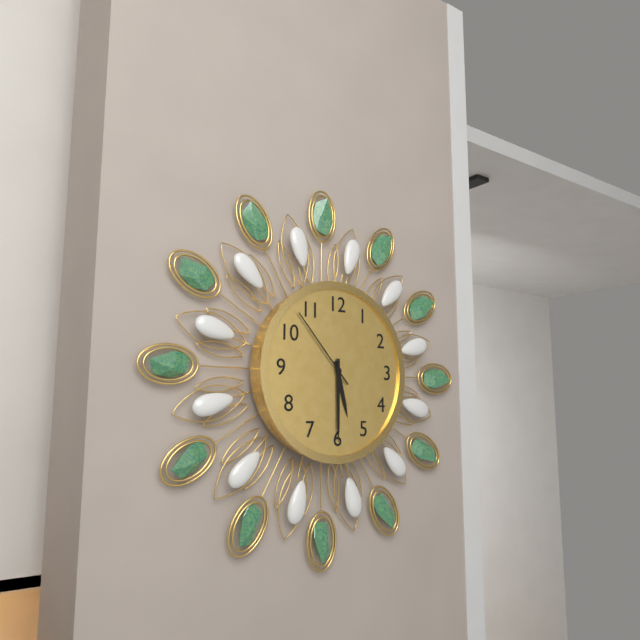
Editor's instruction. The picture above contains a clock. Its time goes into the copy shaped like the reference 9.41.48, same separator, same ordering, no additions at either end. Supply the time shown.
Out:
5.30.53
